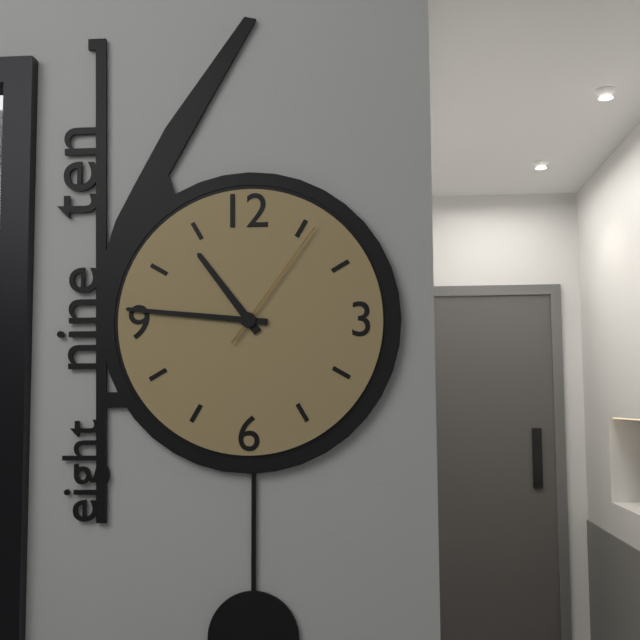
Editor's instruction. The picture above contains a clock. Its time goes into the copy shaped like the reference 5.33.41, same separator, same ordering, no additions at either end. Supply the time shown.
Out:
10.46.06
